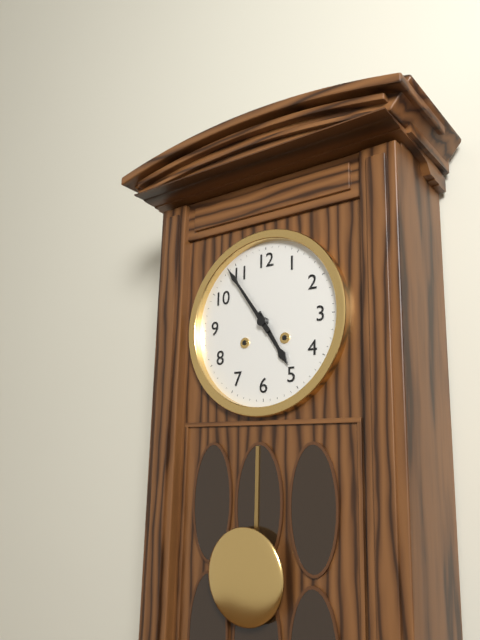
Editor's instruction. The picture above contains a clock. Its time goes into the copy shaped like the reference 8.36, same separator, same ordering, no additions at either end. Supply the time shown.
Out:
4.54
